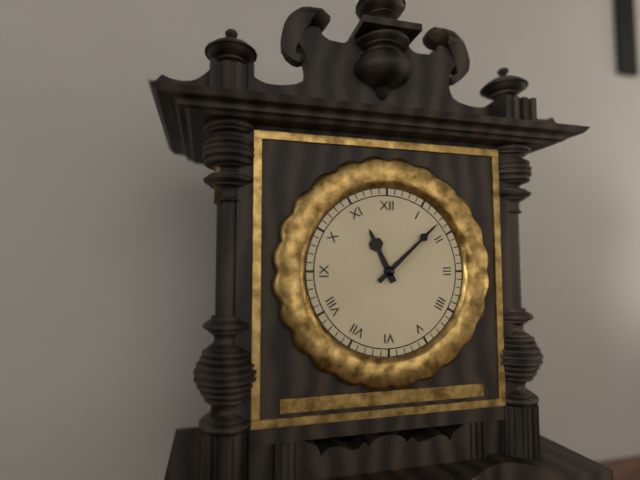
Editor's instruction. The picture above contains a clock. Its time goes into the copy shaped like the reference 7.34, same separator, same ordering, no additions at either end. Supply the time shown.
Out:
11.08
